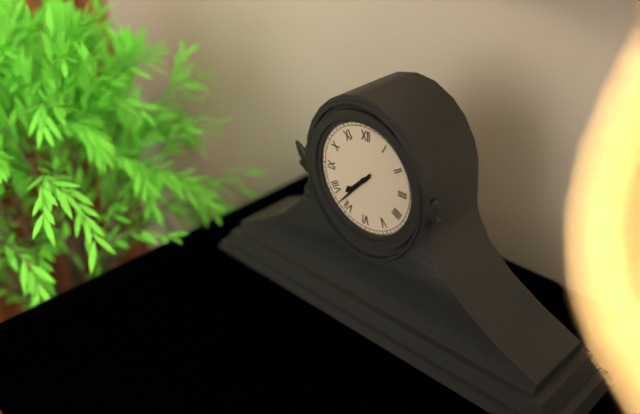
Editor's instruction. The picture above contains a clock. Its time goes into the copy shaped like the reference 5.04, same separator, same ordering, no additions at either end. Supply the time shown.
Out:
7.37
